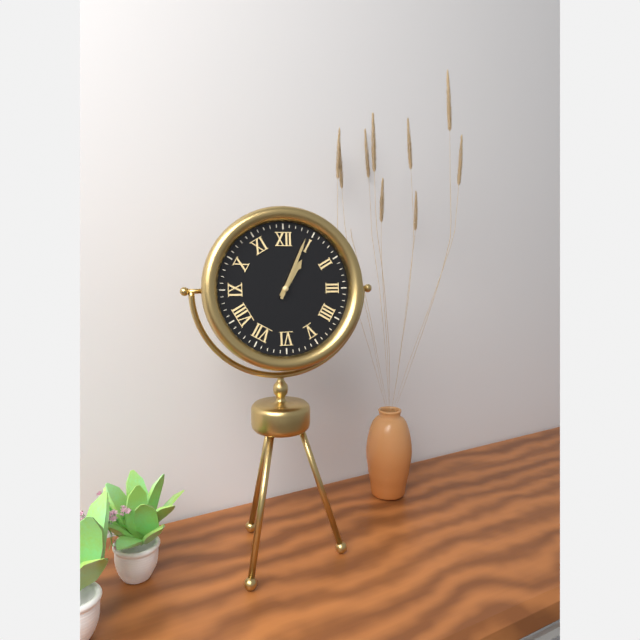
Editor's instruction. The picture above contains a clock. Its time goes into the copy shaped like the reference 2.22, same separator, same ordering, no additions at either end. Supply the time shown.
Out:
1.04
